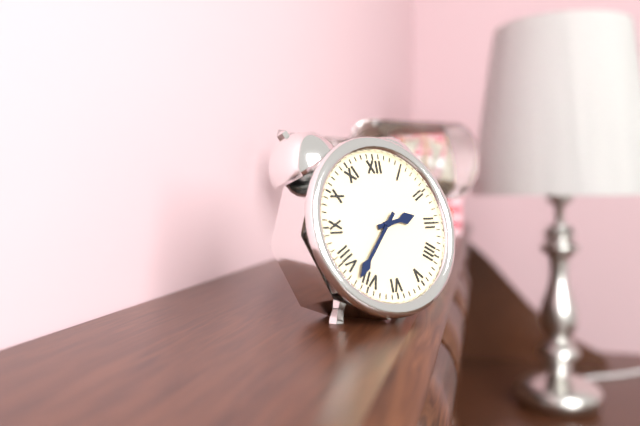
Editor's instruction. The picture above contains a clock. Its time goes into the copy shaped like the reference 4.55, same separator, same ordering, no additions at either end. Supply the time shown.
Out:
2.37
